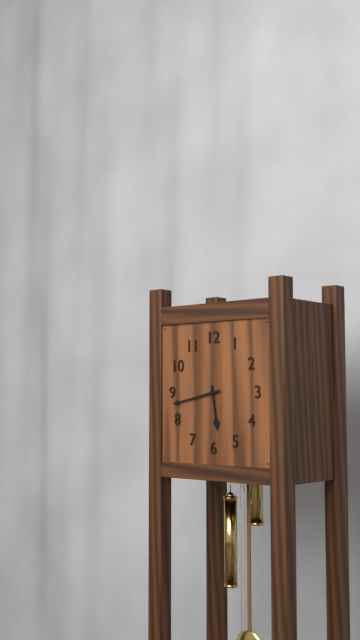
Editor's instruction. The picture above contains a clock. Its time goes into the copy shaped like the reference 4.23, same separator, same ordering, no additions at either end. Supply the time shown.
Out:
5.43
